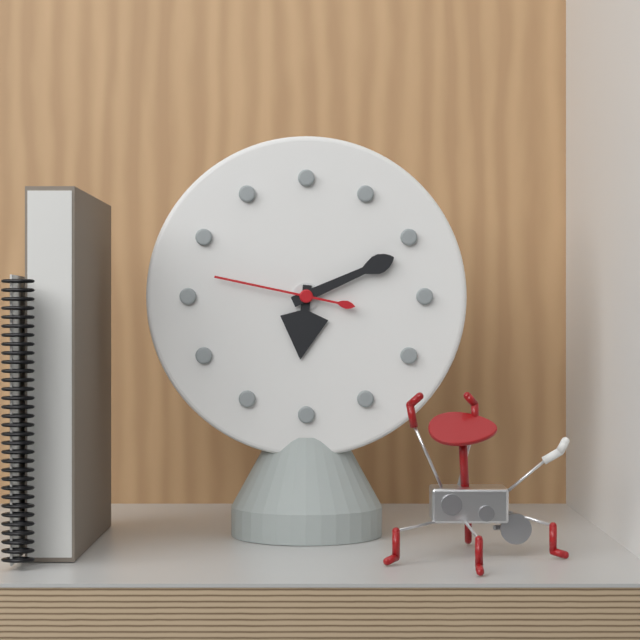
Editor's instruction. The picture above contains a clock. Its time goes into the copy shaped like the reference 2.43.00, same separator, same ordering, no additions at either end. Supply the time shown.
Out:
6.11.47
